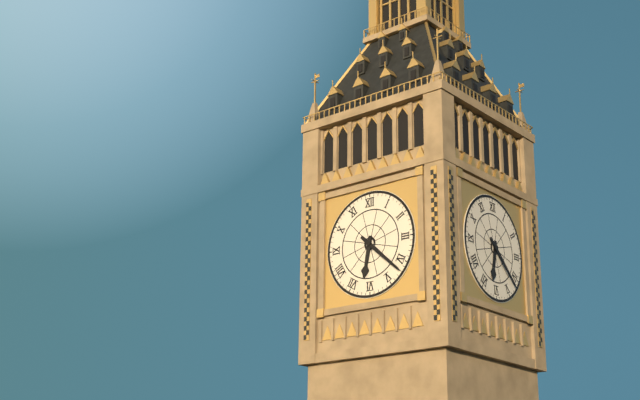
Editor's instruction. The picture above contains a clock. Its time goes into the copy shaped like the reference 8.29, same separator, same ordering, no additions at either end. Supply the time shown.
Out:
6.22
